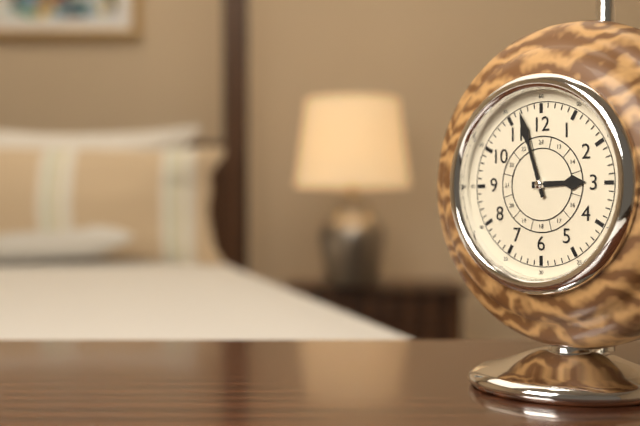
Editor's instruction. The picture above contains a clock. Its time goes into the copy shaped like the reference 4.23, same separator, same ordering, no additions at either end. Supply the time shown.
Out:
2.57
